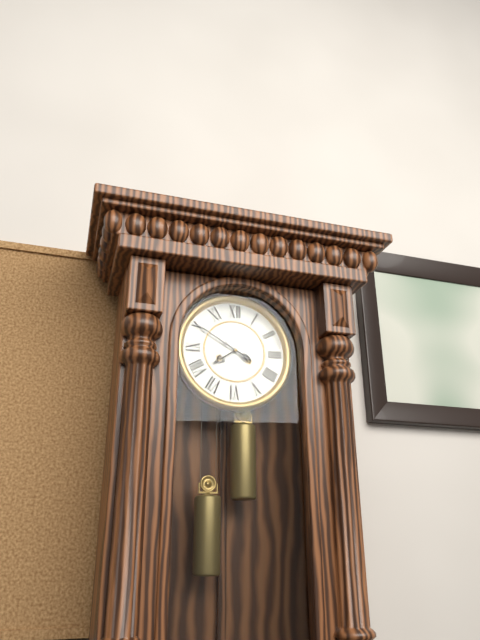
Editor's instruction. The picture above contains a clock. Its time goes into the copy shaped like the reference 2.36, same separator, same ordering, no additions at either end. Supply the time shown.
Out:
7.50
